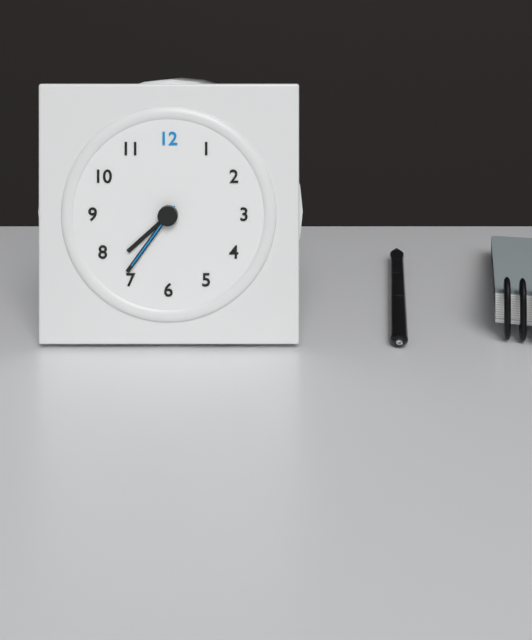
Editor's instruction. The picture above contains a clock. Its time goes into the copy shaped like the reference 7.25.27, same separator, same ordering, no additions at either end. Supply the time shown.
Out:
7.36.36
